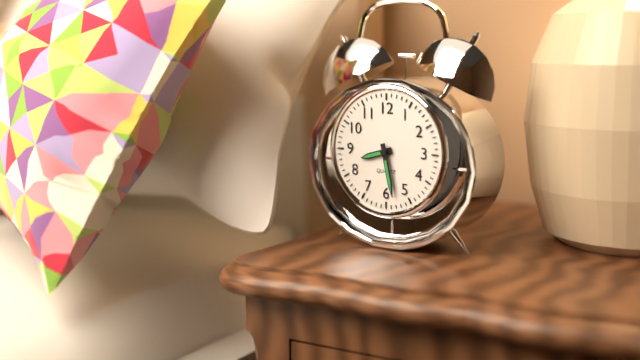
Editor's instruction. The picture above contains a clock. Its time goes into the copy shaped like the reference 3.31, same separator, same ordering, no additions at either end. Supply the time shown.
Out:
8.28
